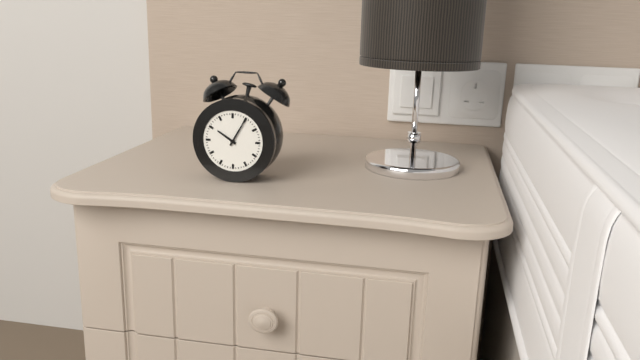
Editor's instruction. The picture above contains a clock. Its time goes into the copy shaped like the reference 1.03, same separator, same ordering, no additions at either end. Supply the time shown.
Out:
10.05
